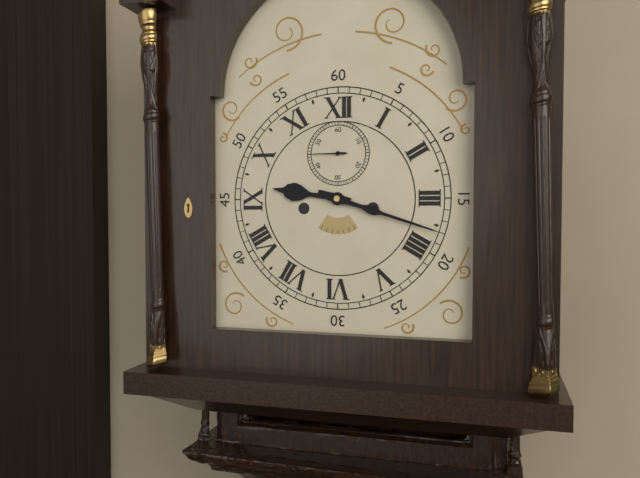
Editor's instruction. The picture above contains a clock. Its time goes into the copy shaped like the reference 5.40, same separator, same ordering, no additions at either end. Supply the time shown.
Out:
9.18
